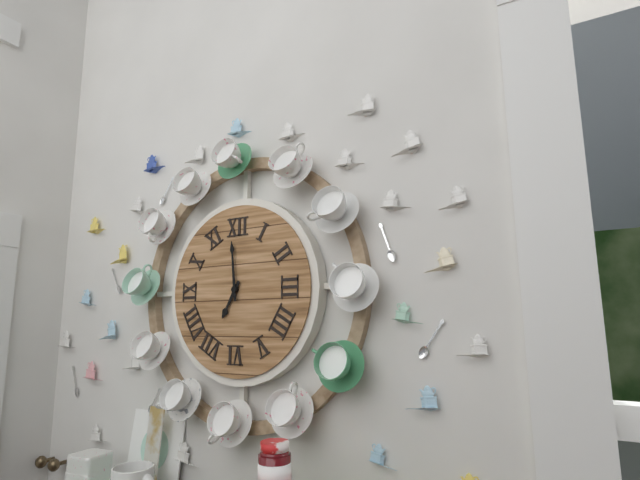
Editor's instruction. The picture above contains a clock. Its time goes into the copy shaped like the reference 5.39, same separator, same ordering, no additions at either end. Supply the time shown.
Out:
6.59
